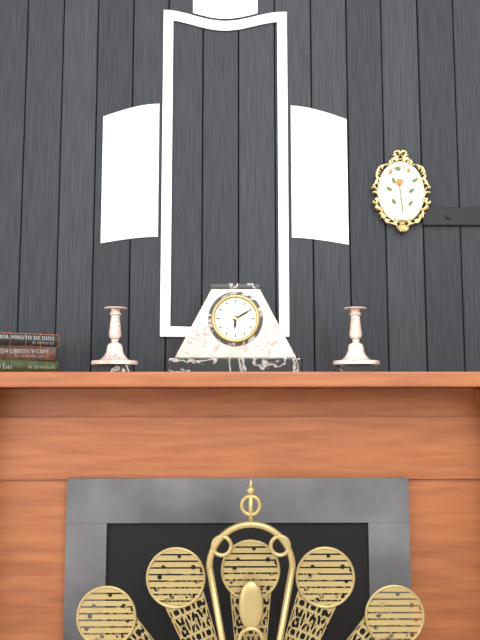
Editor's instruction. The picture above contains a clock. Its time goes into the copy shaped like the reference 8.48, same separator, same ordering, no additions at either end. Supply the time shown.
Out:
6.10
